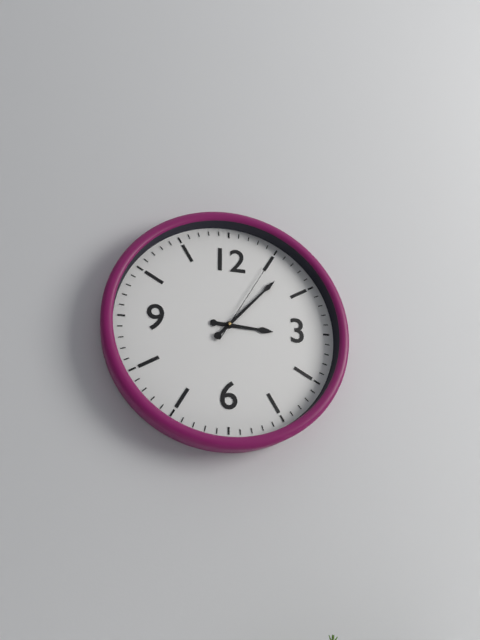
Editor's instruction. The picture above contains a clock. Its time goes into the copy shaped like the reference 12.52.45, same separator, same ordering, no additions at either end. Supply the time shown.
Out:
3.07.05
